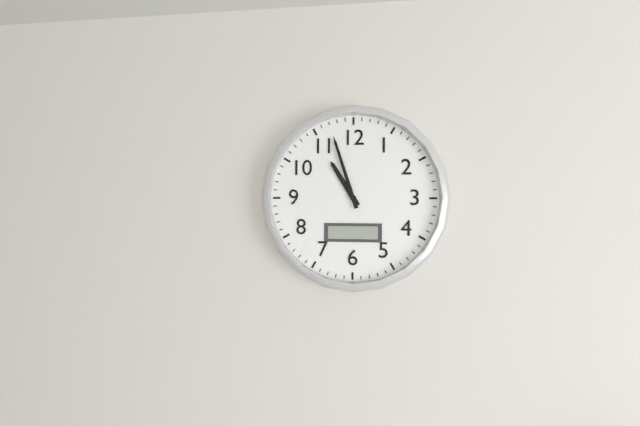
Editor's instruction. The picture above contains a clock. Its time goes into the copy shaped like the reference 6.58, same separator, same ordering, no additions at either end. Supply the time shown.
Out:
10.57
